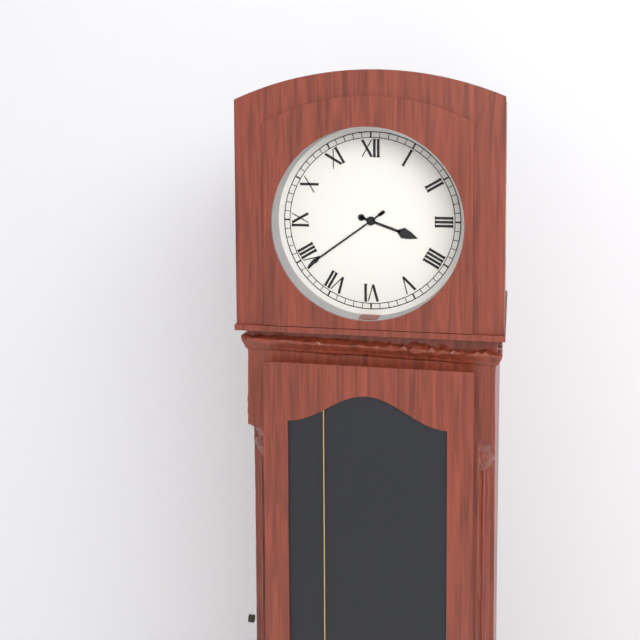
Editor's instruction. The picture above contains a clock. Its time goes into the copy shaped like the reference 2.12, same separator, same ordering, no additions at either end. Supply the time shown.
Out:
3.39
